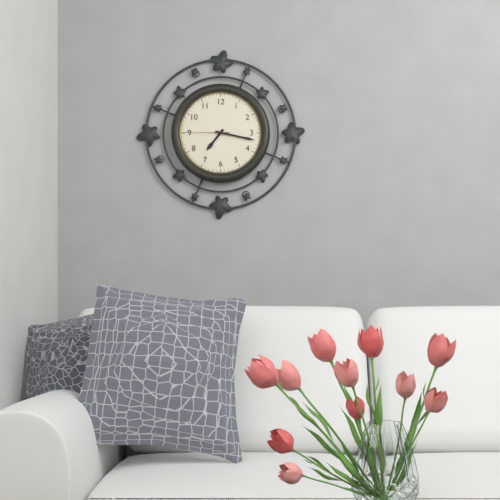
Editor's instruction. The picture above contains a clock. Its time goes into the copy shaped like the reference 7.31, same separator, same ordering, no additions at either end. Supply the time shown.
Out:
7.17
